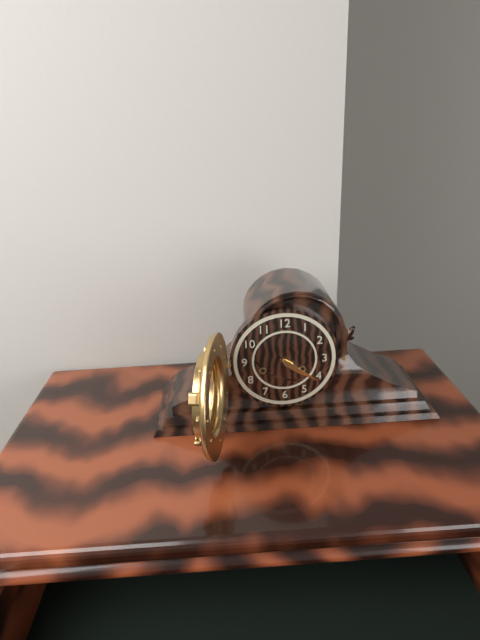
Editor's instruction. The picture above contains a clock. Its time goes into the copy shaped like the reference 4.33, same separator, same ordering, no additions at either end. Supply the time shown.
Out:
4.21
